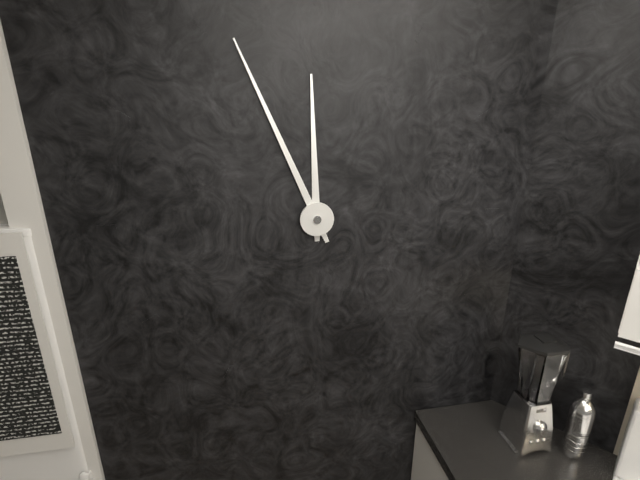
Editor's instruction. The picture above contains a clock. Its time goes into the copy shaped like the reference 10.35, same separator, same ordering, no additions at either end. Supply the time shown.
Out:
11.56
